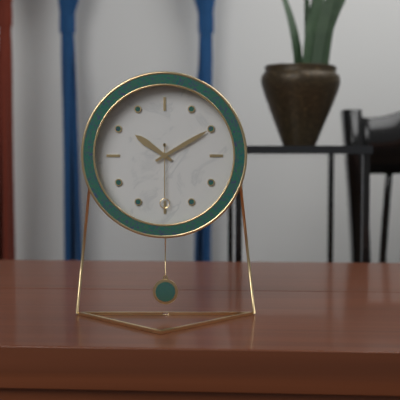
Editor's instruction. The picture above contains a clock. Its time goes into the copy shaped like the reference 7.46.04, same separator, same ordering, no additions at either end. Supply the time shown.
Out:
10.10.30
